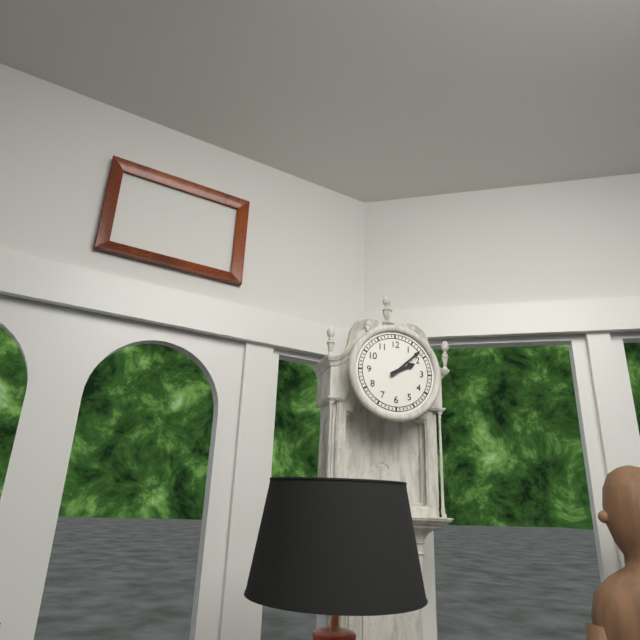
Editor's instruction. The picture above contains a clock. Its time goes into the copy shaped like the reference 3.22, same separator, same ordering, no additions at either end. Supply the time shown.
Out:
2.08
